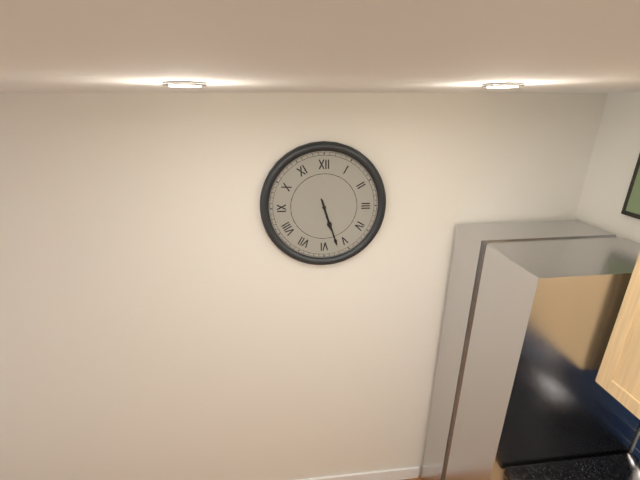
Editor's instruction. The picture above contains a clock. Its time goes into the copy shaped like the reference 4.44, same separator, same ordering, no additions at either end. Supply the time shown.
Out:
5.27
